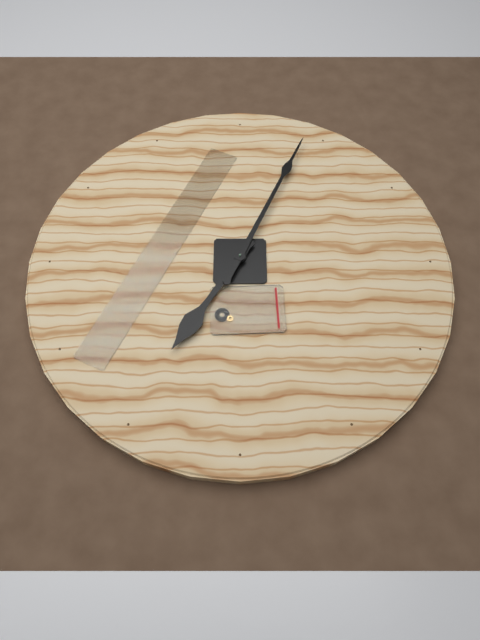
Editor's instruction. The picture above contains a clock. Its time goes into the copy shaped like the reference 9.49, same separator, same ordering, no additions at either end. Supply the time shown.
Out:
7.04
